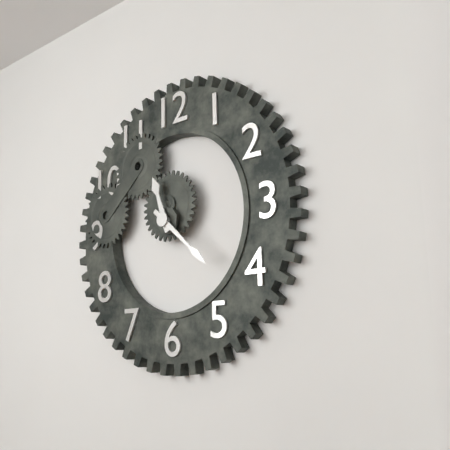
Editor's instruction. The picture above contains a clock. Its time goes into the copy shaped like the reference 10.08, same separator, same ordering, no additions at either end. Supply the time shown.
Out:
11.22
